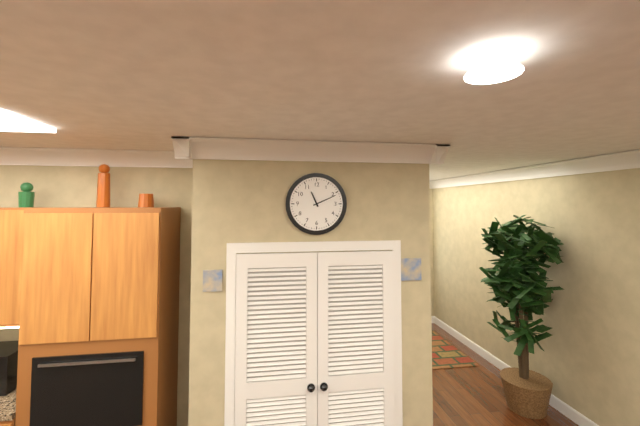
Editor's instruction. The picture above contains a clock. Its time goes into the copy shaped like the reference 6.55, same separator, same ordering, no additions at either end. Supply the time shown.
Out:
11.11
